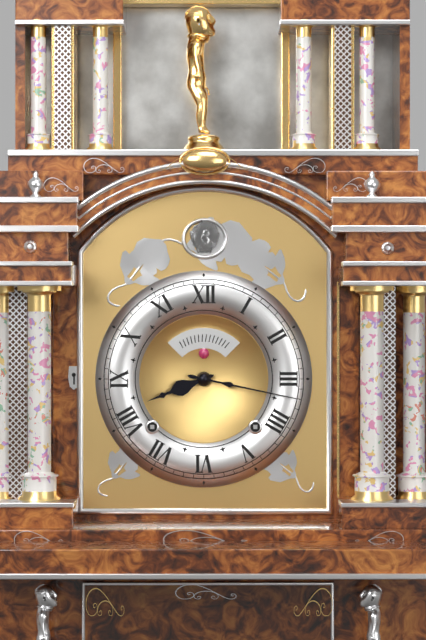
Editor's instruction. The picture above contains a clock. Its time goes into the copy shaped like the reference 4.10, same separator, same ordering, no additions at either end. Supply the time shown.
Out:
8.17
